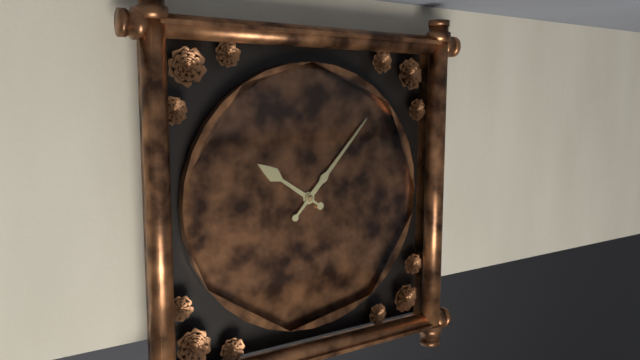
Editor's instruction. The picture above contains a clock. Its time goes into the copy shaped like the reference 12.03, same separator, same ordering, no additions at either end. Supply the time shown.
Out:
10.07
